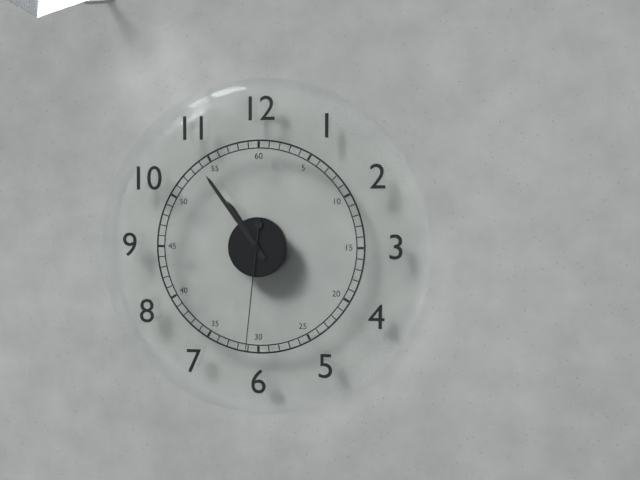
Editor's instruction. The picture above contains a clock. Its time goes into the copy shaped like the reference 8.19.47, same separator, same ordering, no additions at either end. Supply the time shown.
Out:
10.54.31
